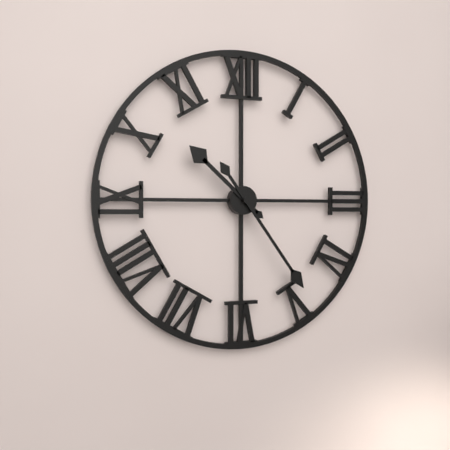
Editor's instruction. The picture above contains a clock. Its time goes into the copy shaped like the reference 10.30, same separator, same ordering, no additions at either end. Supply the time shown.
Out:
10.24
